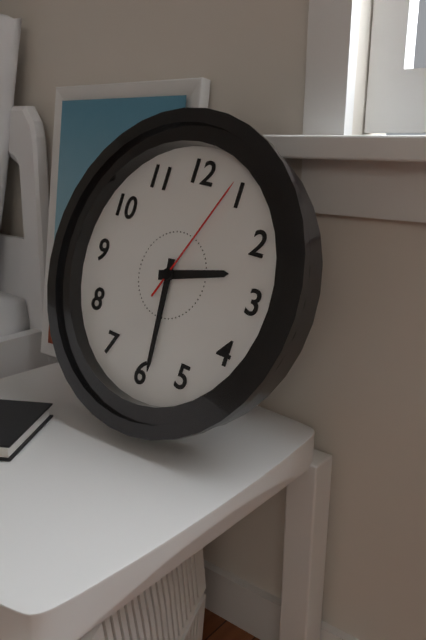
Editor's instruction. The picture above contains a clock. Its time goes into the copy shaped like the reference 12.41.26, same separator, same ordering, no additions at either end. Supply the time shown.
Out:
2.29.04
